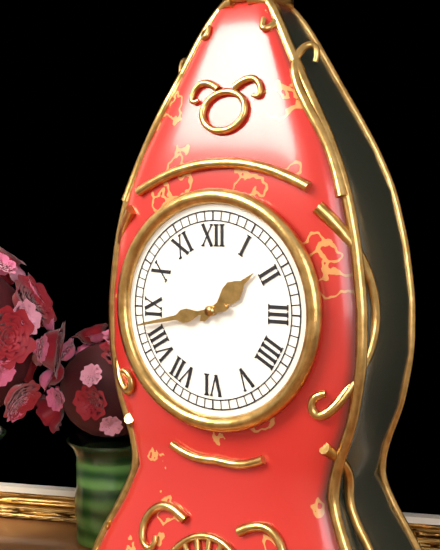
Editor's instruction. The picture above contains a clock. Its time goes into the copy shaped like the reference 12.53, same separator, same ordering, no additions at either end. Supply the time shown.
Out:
1.43
